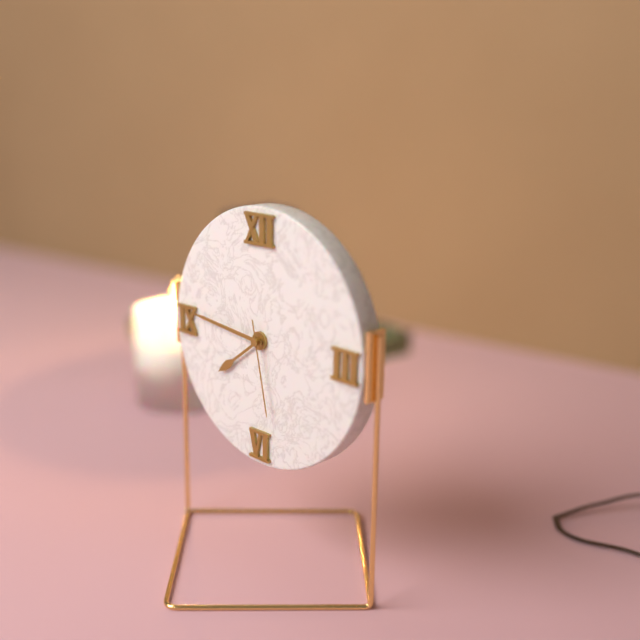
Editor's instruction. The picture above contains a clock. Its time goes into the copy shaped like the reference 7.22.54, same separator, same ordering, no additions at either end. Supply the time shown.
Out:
7.46.28
